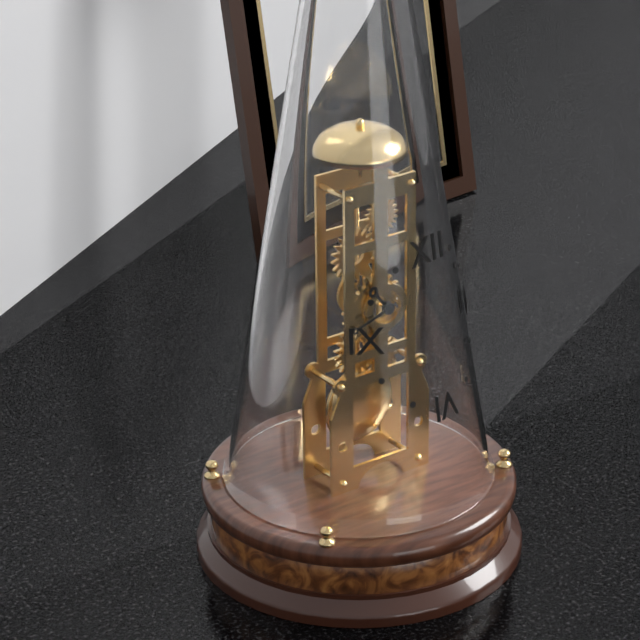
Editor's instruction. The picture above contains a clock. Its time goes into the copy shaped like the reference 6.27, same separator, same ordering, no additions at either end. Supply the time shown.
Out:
10.42
